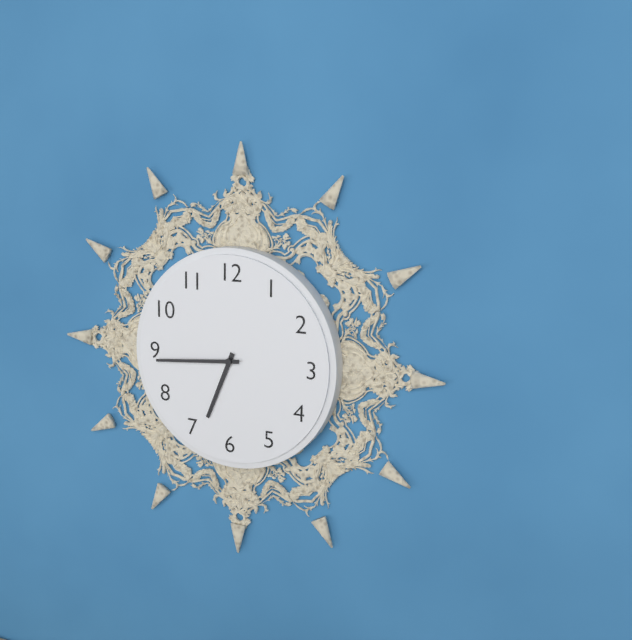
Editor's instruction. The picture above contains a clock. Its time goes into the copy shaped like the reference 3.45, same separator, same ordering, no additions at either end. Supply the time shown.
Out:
6.44
